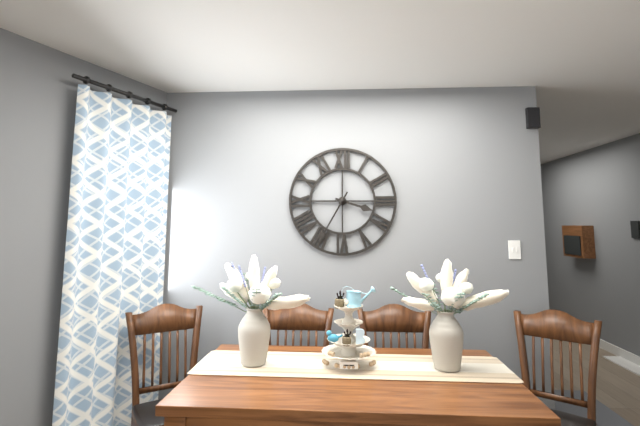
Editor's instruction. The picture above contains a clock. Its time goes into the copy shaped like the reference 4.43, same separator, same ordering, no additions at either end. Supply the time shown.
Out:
3.35
